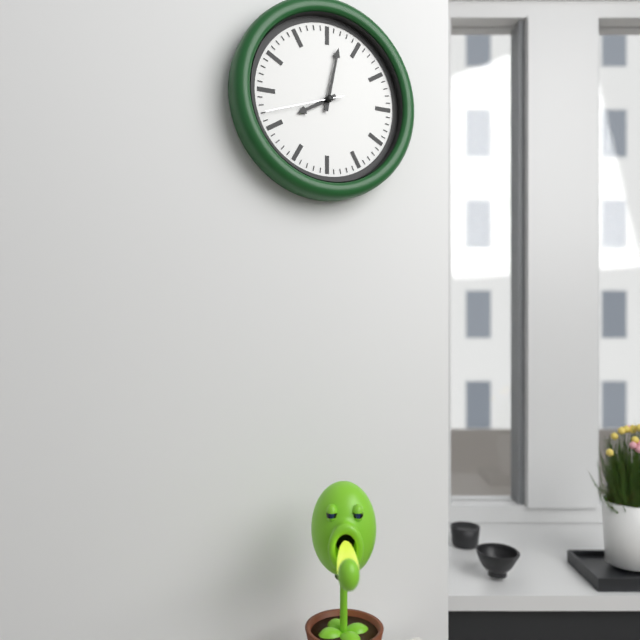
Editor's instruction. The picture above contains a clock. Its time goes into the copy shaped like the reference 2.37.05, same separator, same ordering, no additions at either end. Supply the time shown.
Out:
8.02.42
